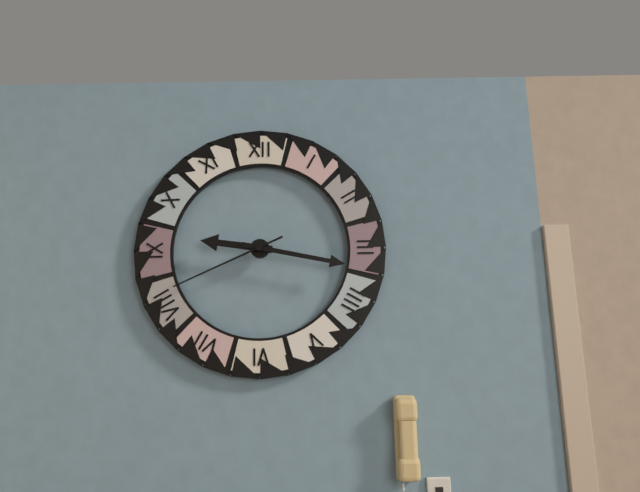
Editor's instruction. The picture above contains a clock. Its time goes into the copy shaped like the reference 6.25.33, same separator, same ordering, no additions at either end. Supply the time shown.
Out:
9.17.41
